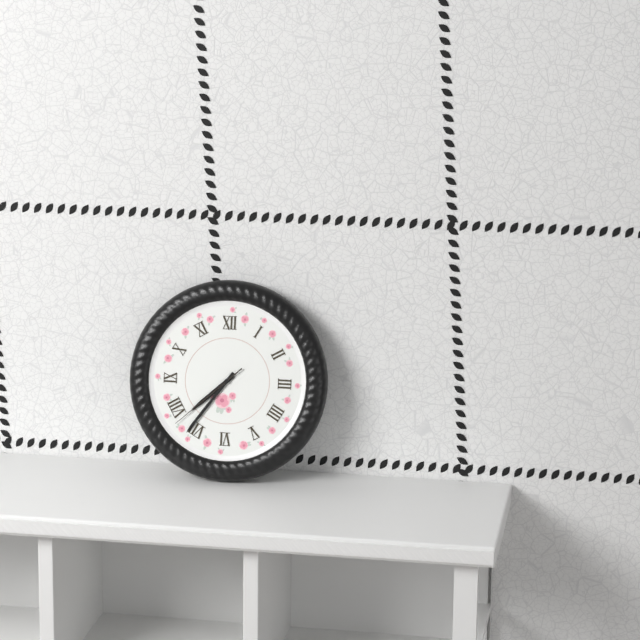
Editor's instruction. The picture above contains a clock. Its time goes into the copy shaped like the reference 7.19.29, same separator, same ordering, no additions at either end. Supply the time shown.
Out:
7.36.38
